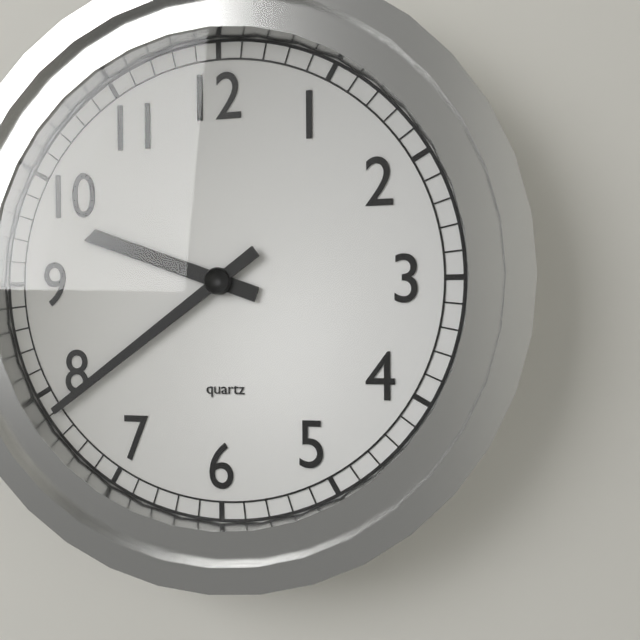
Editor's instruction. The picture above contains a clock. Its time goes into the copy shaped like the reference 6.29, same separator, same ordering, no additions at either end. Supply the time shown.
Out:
9.39
